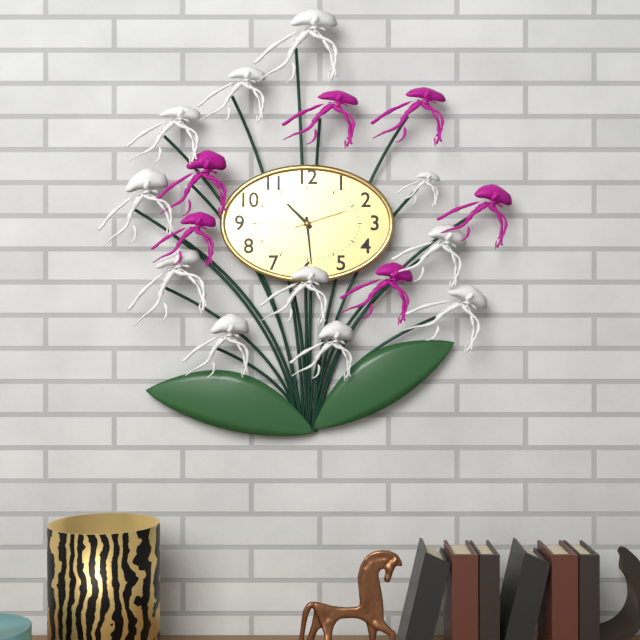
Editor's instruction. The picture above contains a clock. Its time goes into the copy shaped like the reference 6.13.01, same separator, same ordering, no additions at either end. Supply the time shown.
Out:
10.29.12
